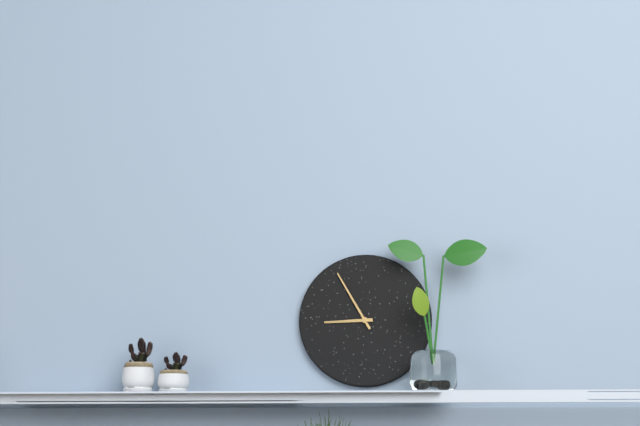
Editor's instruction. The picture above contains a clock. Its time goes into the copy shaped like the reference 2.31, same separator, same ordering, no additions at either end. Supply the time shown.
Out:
8.55
